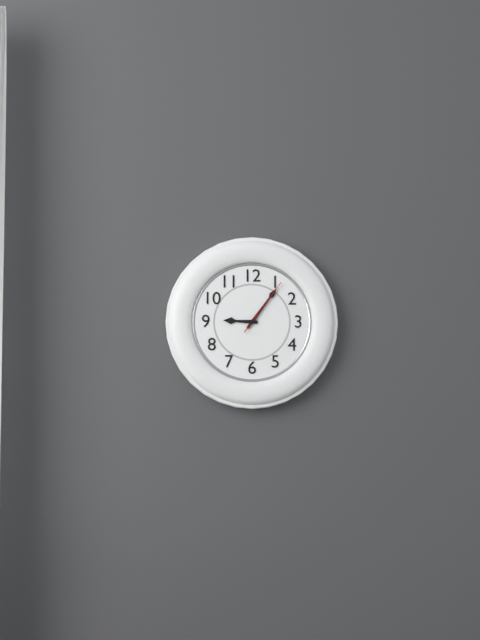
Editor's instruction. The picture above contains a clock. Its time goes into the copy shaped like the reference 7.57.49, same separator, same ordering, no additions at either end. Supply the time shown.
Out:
9.06.06
